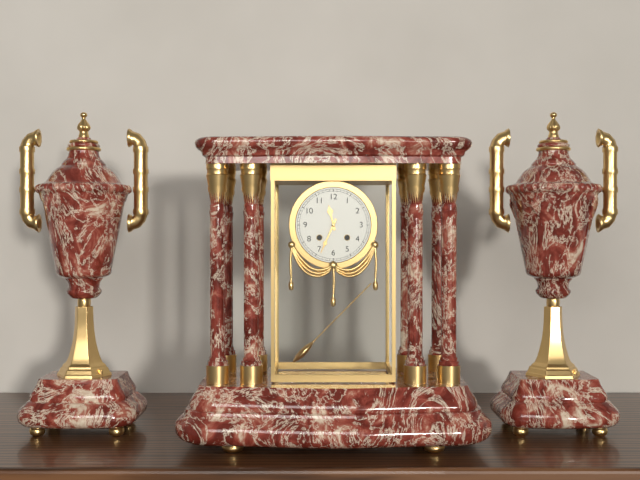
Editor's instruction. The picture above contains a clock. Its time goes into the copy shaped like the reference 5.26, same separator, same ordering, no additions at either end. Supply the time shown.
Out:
11.34
